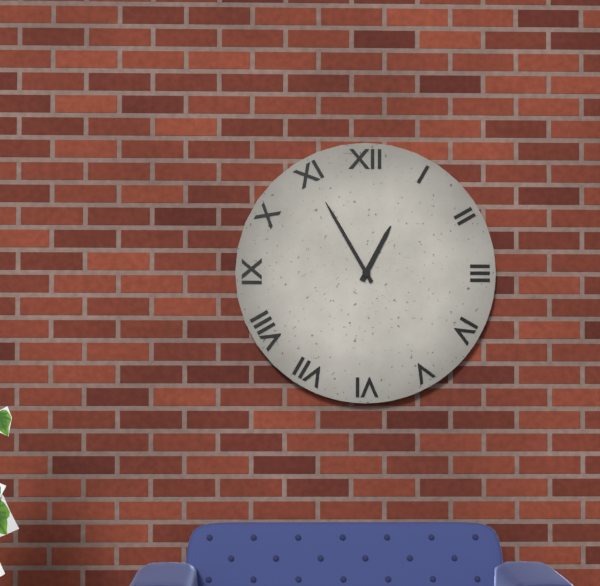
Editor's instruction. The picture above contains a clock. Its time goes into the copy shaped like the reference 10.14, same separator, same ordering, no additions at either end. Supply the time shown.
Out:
12.55
